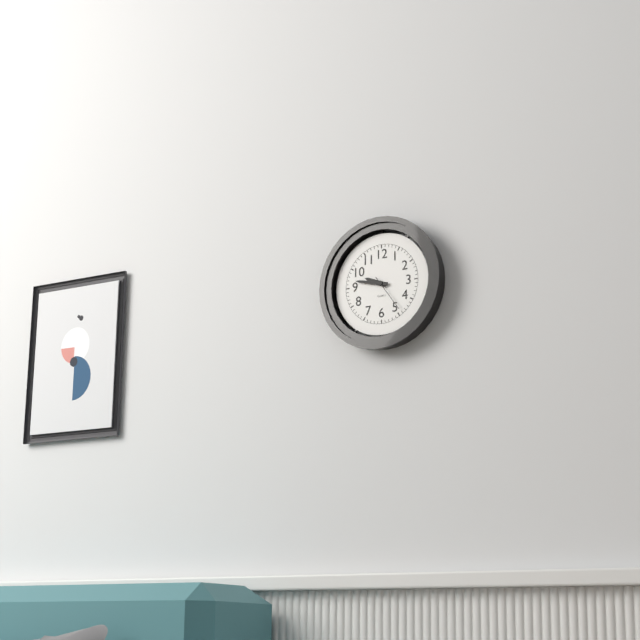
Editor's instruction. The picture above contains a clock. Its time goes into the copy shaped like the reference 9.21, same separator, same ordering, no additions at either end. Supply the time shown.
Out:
9.47
